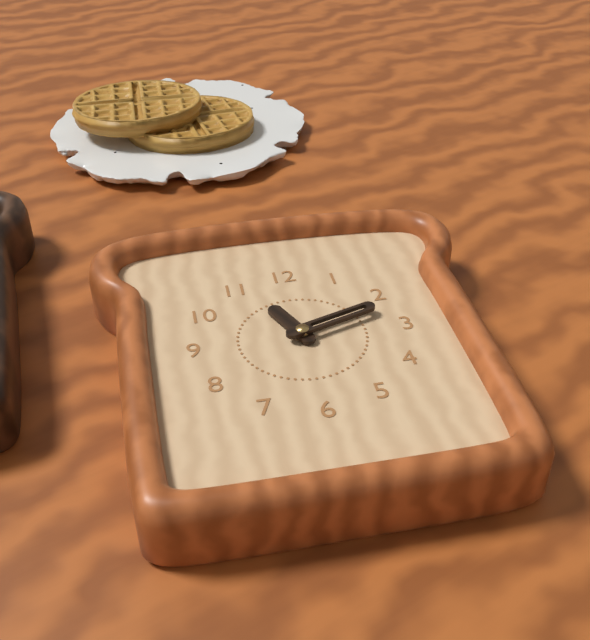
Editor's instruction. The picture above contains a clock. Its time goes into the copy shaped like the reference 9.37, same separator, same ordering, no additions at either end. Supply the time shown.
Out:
11.12
